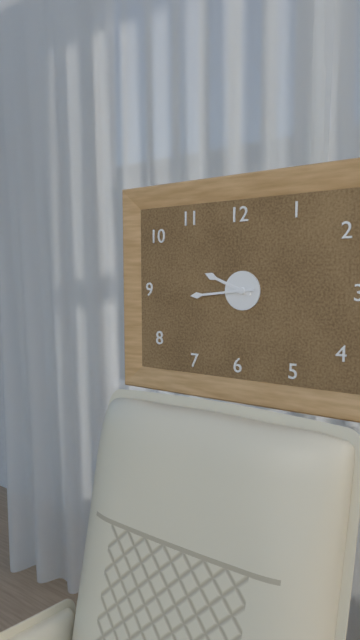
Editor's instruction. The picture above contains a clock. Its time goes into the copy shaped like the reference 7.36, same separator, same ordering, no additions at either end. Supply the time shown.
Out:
9.44
